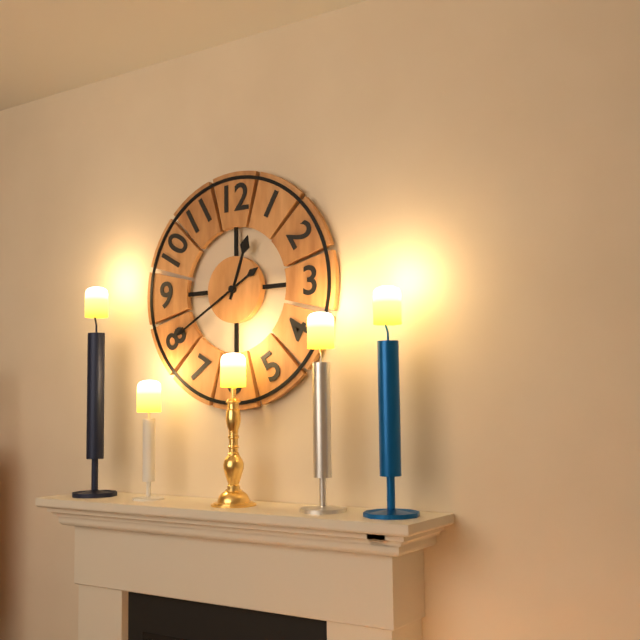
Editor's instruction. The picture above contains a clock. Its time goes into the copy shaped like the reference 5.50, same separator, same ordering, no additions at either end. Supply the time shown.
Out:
12.40
